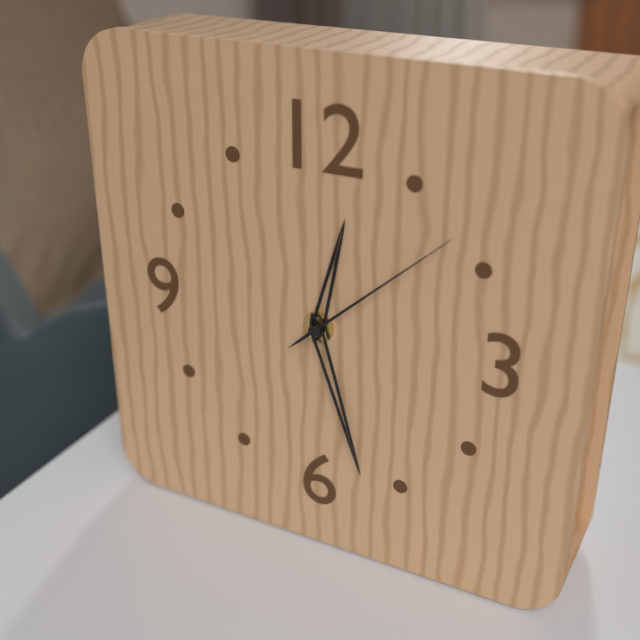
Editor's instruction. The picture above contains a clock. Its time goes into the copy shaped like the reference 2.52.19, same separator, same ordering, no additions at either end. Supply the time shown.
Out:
12.27.08
